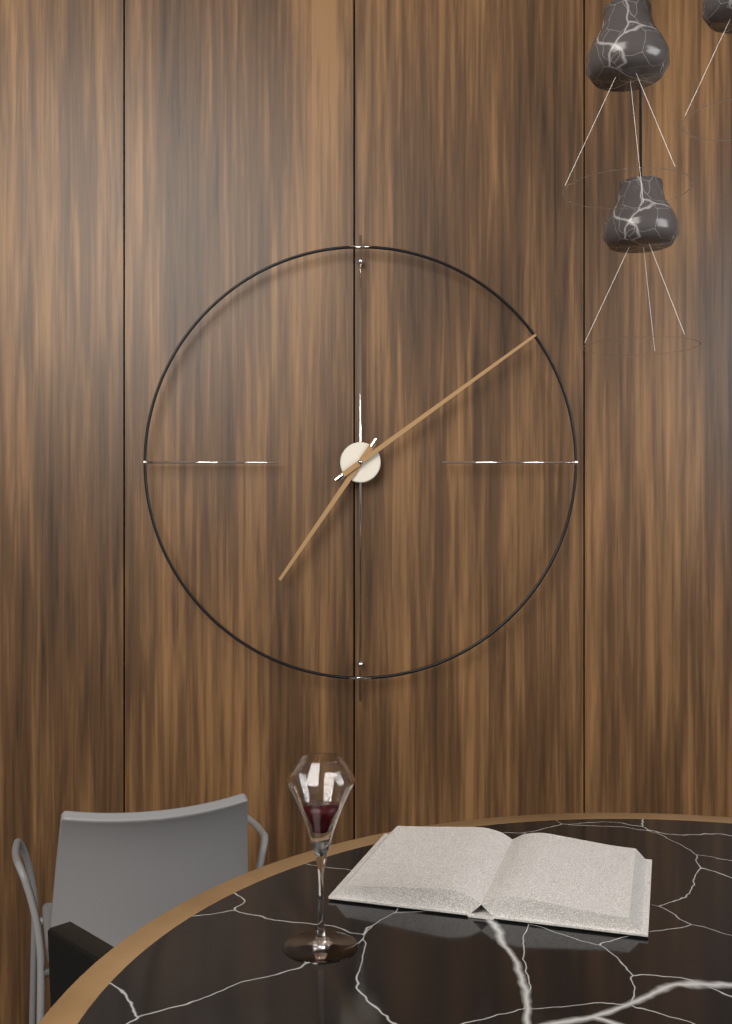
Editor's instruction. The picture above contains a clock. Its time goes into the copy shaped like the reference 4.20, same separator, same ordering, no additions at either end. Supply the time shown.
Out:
7.09
